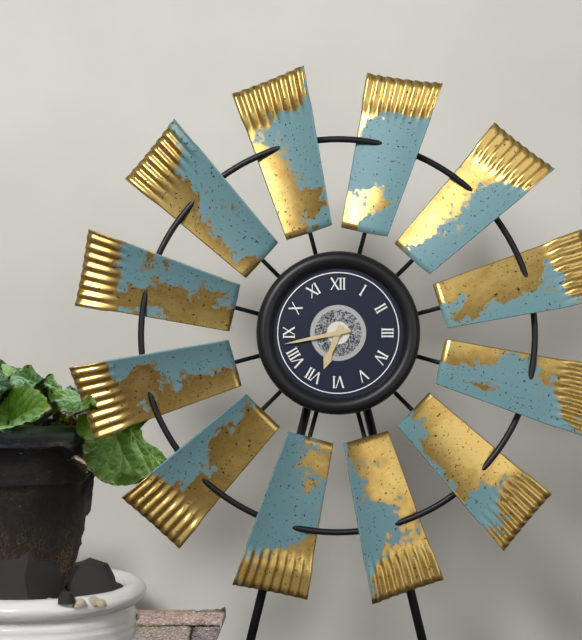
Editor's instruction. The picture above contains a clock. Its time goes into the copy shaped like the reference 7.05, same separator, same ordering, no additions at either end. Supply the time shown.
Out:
6.43
